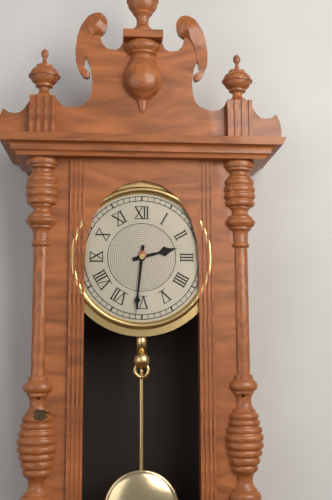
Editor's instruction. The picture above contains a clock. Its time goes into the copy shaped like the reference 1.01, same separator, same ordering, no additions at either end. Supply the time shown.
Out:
2.31
